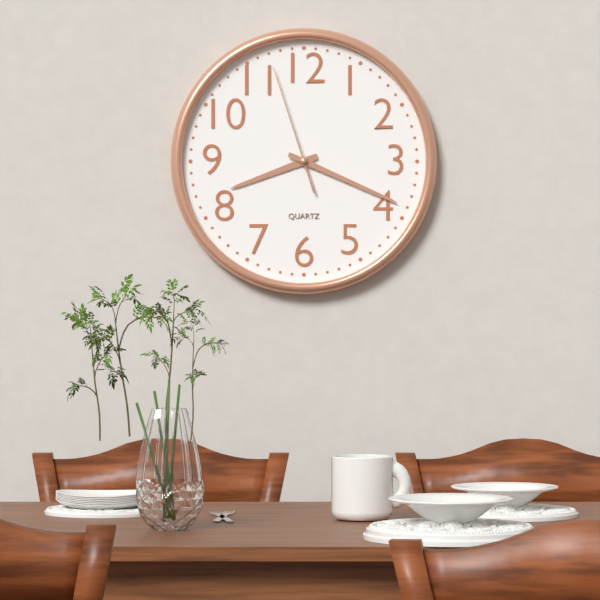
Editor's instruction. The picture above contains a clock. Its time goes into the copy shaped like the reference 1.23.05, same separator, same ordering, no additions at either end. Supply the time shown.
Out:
8.19.57
